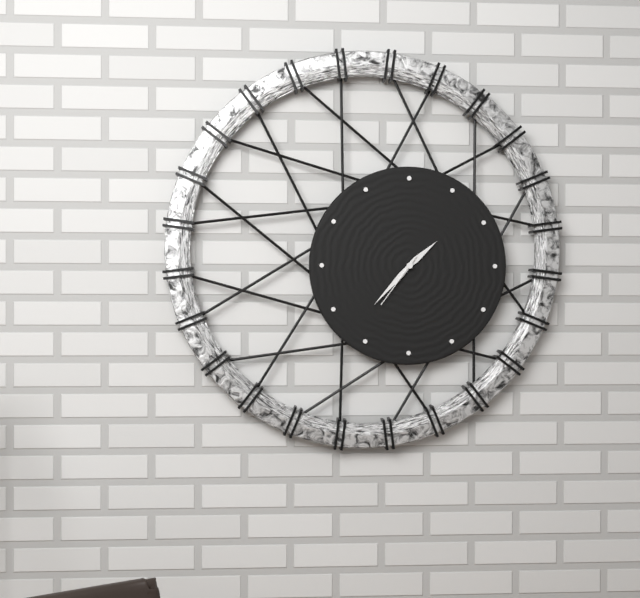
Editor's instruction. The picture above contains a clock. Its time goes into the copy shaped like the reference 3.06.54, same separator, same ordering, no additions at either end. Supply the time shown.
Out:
1.37.36
